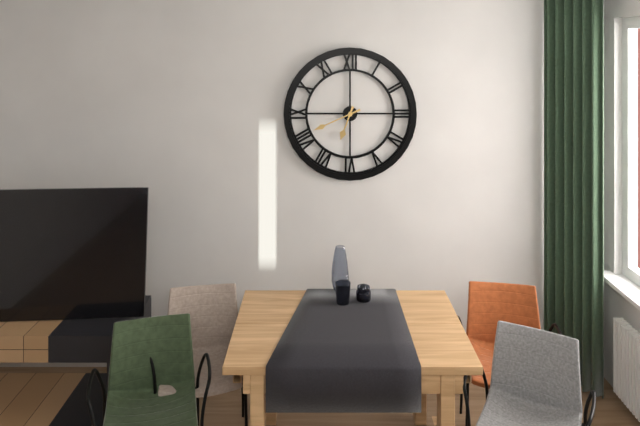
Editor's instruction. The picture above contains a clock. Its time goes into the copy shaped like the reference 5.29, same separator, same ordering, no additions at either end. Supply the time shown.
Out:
6.41
